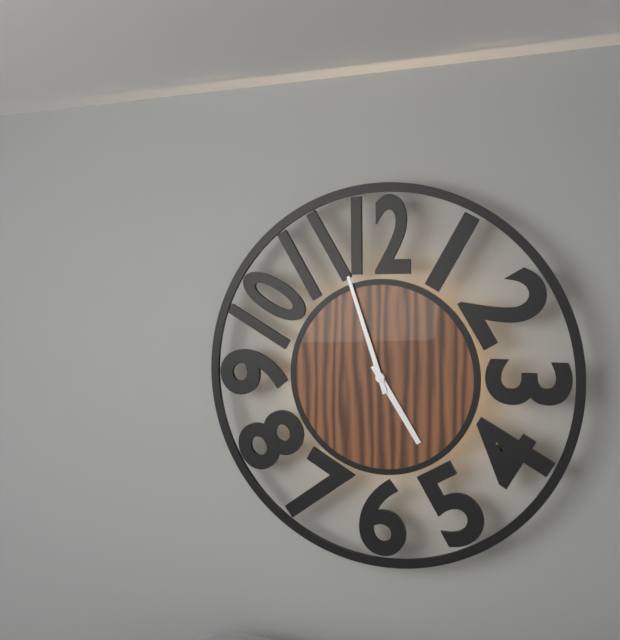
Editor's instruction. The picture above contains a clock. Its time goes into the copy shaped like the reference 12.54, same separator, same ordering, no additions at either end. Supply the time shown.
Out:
4.57
